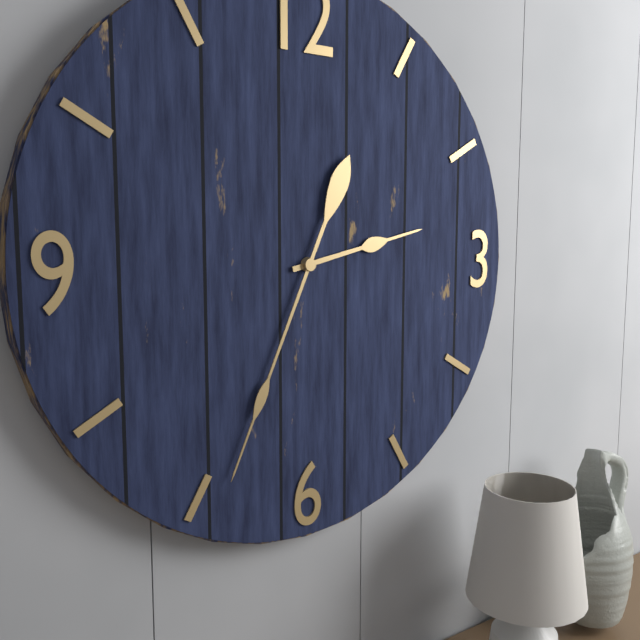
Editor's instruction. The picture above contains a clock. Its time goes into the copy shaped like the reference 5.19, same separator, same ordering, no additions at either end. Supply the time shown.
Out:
2.34
